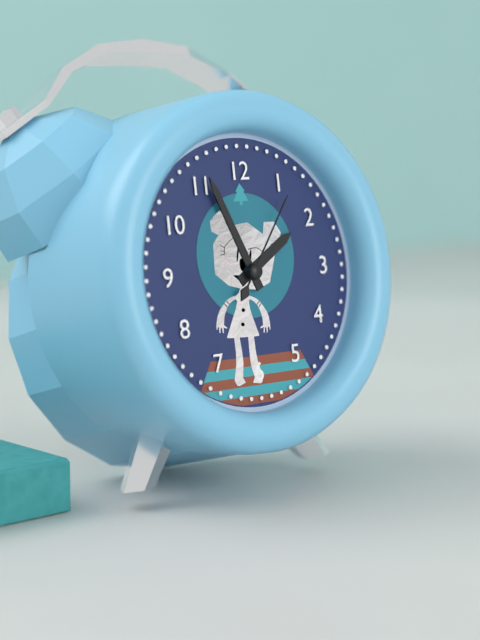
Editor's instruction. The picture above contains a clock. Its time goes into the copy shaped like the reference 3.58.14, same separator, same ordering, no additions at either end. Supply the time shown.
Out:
1.56.06
